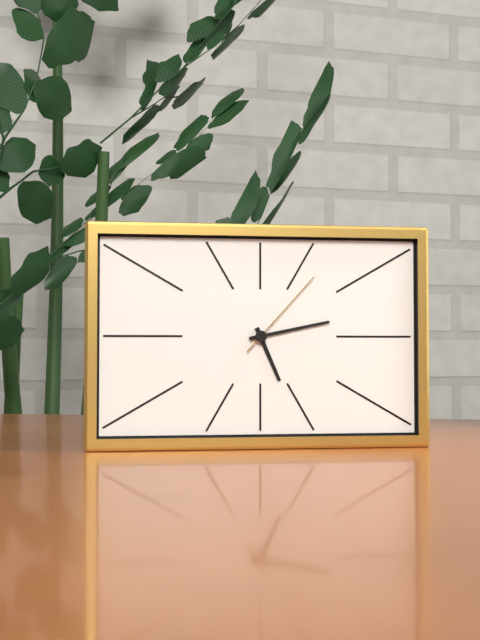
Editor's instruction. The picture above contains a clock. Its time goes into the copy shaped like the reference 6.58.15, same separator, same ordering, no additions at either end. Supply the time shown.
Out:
5.13.07
